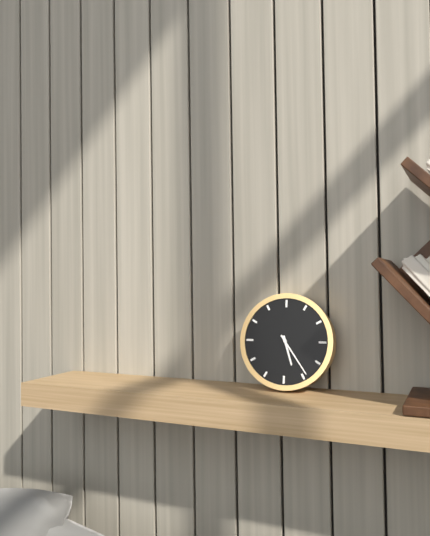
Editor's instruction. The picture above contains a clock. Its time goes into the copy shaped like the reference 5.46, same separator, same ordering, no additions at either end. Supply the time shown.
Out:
5.24
